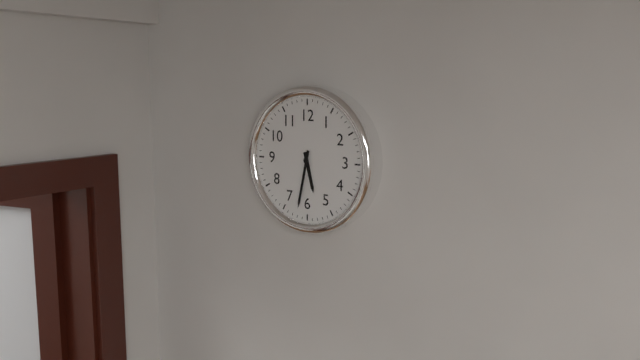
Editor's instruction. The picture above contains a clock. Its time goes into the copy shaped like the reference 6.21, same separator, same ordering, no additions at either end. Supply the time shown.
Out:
5.32
